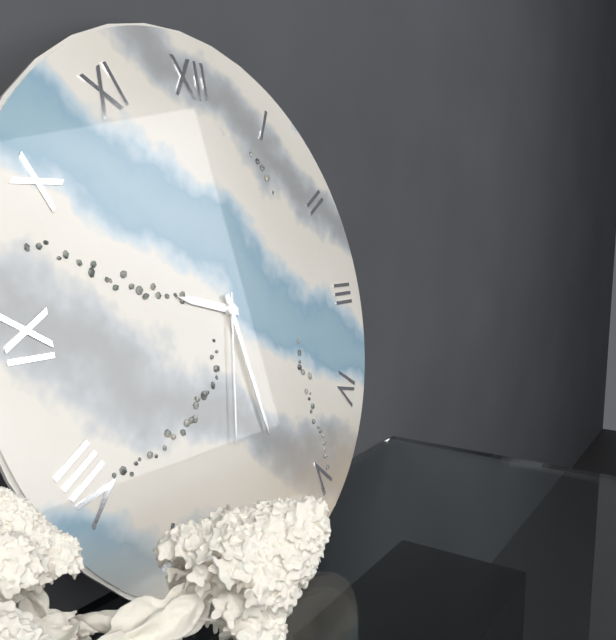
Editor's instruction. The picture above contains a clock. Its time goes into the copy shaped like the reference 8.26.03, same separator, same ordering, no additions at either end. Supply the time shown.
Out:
9.28.32
